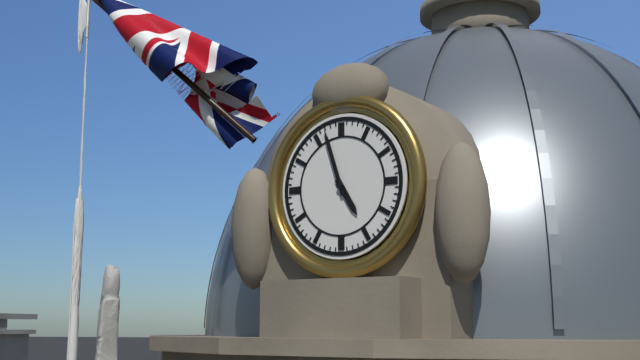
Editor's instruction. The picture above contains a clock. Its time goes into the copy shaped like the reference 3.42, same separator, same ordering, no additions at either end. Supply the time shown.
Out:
4.57
